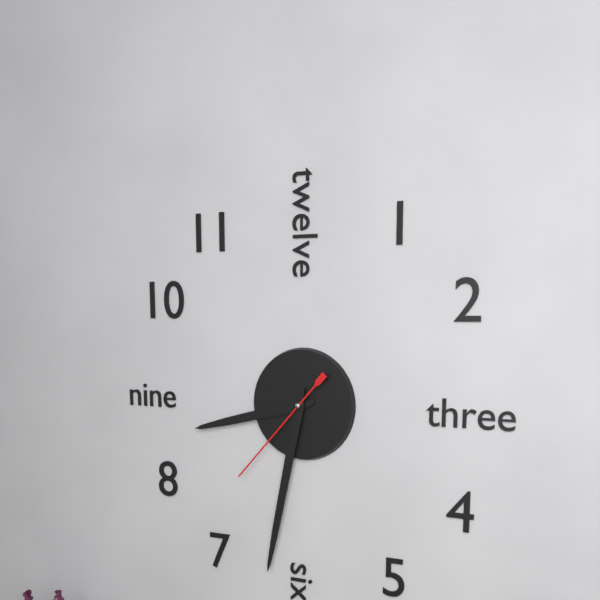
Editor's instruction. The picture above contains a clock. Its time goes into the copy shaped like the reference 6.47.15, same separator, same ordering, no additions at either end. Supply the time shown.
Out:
8.32.37
